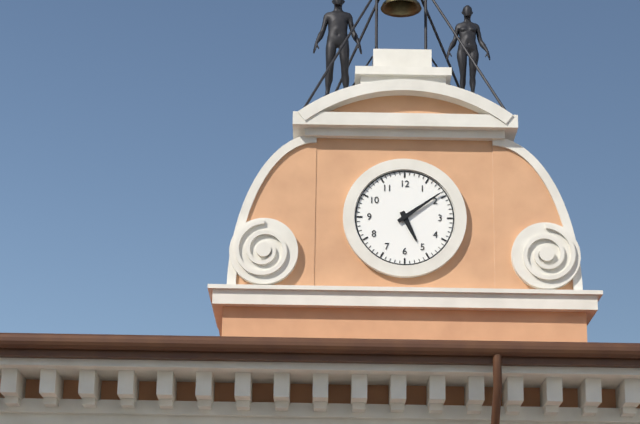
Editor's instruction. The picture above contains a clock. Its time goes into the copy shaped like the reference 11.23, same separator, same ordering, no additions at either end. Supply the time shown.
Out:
5.09
